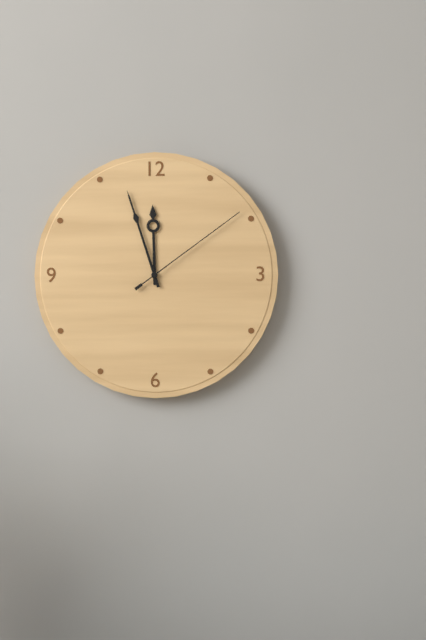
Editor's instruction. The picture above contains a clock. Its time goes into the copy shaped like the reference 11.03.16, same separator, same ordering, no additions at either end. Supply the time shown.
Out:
11.57.09
